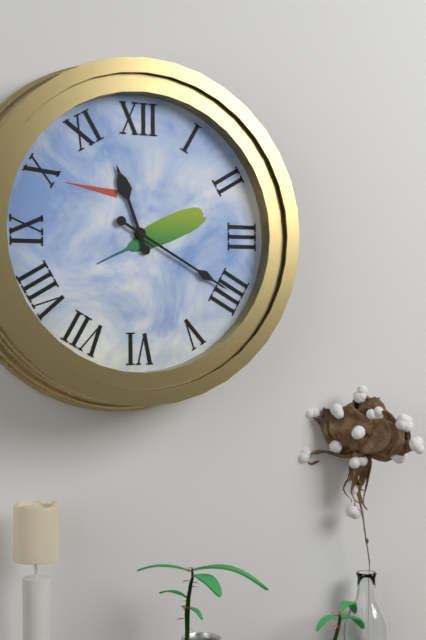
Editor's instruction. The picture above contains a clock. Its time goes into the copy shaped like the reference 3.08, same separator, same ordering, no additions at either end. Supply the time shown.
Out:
11.20
